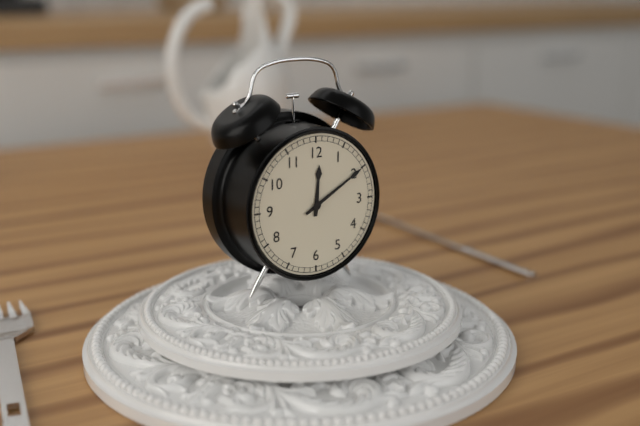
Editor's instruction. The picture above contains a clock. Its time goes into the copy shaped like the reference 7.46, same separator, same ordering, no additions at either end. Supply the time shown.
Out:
12.10
